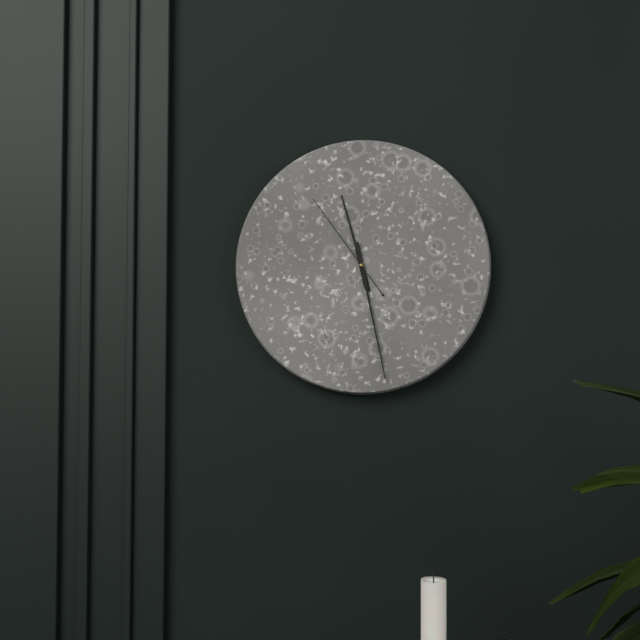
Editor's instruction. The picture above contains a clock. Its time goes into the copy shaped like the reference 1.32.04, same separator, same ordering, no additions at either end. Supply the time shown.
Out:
11.28.54
